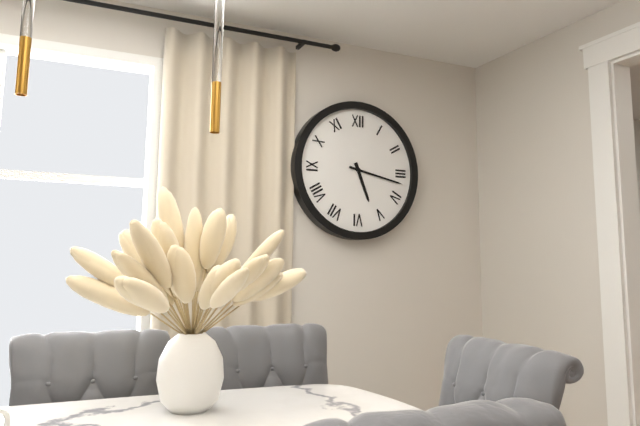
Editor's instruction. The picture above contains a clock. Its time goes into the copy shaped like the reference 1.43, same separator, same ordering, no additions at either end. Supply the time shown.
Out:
5.17
